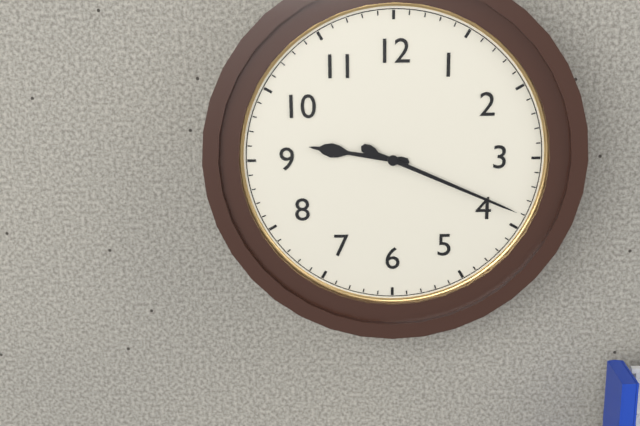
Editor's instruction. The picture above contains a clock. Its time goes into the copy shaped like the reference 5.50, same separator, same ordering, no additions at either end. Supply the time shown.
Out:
9.19
